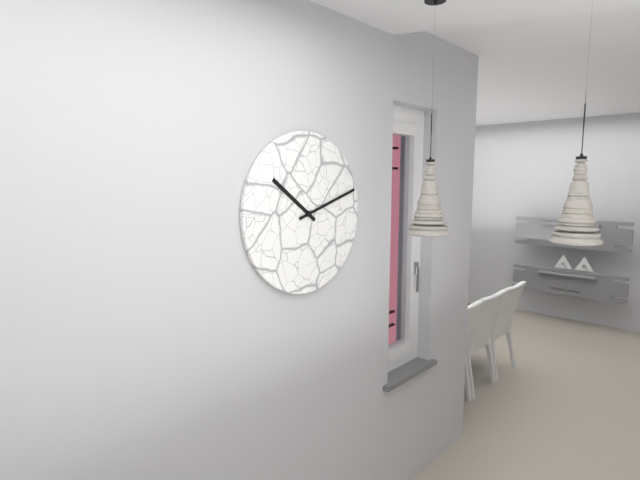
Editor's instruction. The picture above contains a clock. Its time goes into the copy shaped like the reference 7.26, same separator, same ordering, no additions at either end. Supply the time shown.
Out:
10.12
